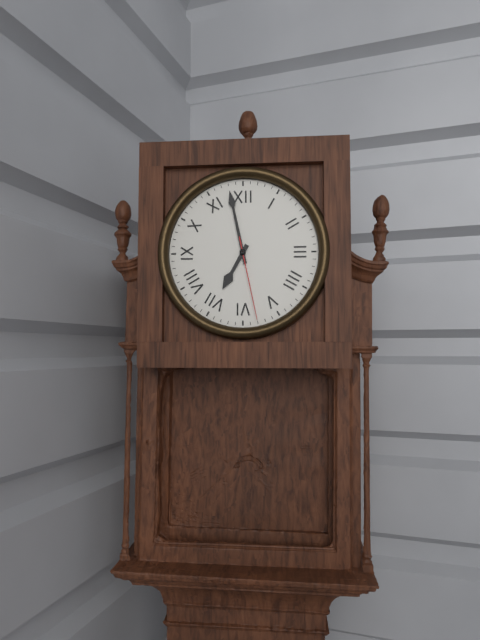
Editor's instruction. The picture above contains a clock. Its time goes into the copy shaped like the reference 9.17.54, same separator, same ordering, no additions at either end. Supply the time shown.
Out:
6.58.28
